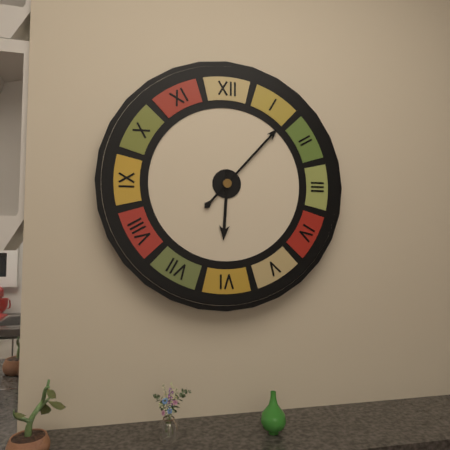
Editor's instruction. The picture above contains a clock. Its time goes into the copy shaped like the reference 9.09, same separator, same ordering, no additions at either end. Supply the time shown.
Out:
6.07
